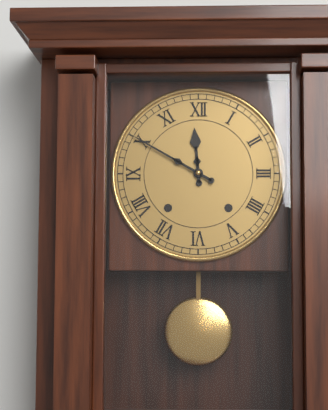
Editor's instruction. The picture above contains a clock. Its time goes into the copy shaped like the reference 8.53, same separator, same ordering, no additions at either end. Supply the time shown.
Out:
11.50
